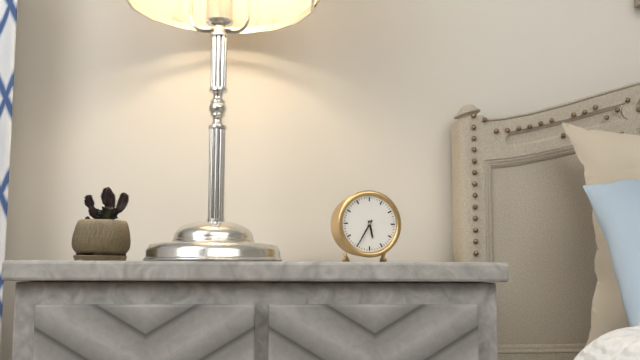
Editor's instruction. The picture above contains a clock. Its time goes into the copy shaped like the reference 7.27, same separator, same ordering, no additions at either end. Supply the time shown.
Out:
5.35
